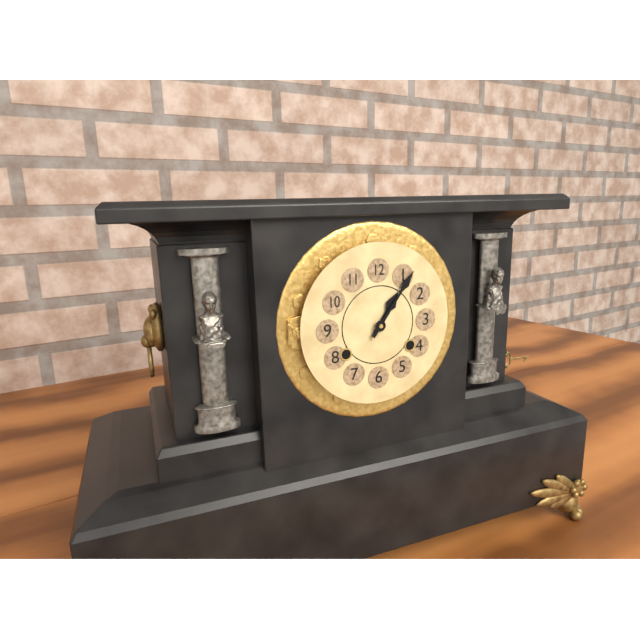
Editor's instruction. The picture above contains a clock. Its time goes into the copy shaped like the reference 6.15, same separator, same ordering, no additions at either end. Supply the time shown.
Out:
1.06
